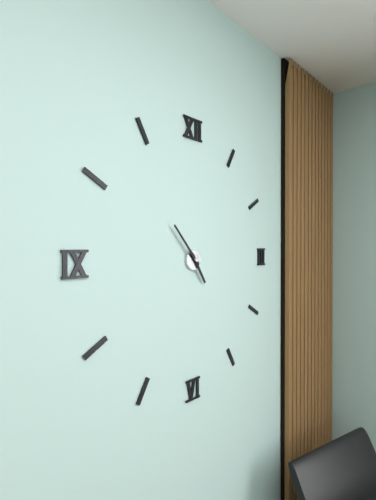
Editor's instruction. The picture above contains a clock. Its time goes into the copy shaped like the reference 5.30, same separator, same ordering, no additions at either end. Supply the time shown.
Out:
4.53
